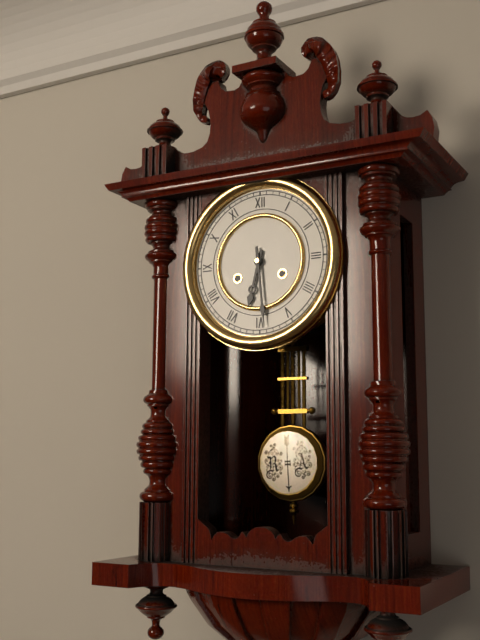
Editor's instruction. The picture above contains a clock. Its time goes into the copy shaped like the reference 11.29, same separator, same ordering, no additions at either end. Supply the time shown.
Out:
6.29
